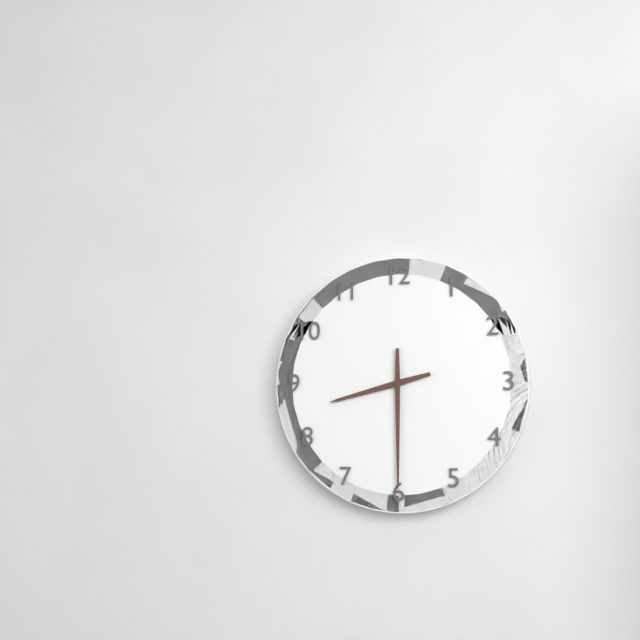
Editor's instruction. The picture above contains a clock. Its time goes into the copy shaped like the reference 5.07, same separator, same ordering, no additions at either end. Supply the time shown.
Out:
8.30
